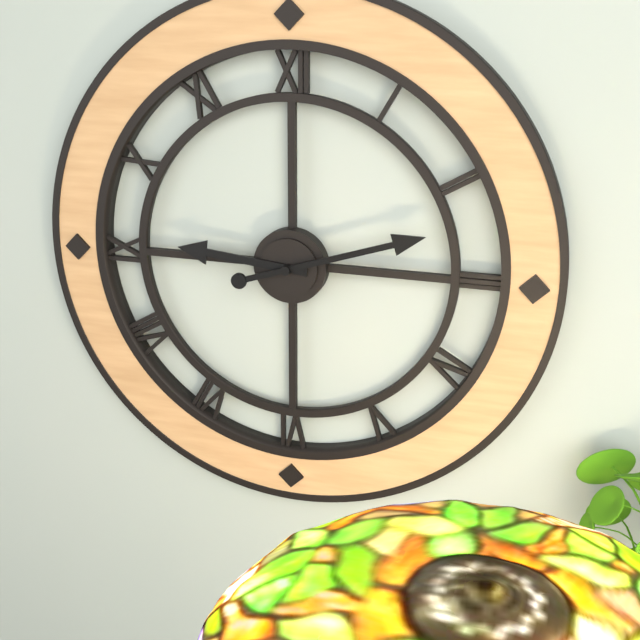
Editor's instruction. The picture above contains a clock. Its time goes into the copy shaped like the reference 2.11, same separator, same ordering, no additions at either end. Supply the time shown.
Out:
9.12
